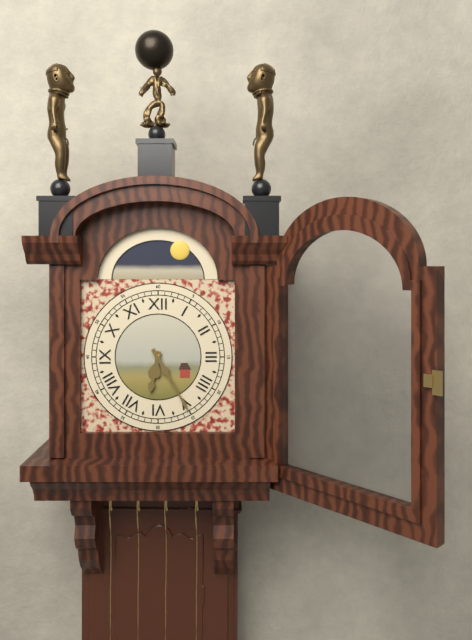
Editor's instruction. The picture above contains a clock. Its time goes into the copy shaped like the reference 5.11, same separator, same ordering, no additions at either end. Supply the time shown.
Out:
6.25
